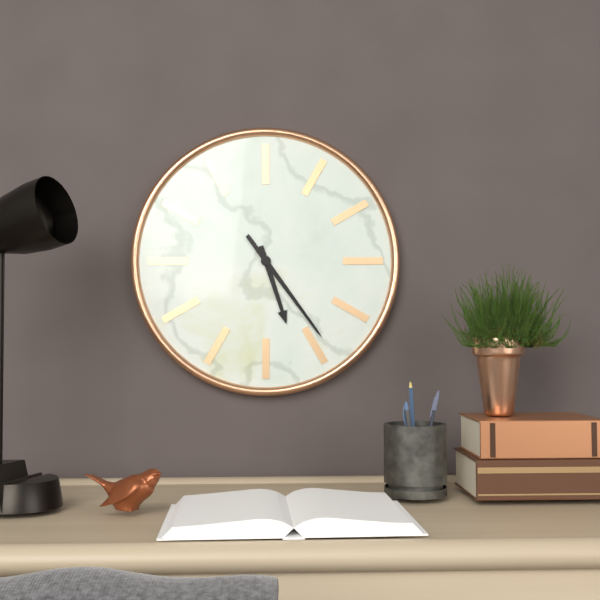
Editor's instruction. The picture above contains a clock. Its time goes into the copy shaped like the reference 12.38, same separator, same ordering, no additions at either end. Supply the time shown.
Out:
5.24
